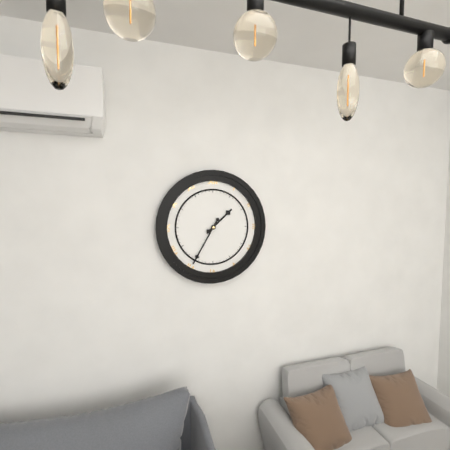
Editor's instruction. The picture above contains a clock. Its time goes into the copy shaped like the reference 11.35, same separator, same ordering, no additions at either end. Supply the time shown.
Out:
1.35
